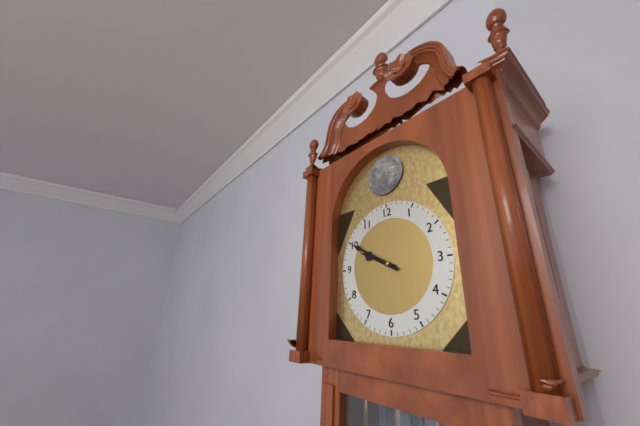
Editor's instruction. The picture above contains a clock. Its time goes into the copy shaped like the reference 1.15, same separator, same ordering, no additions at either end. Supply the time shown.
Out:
9.50
